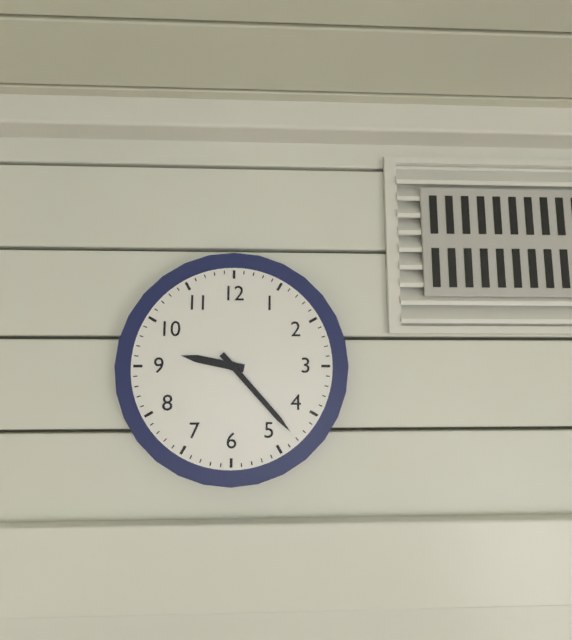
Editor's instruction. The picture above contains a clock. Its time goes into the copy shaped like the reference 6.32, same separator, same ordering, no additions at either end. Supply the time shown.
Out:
9.23
